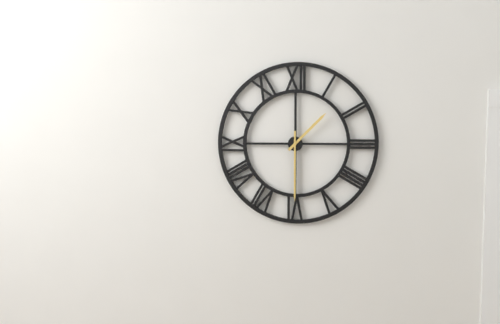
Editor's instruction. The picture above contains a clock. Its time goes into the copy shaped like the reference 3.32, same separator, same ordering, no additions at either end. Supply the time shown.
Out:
1.30
